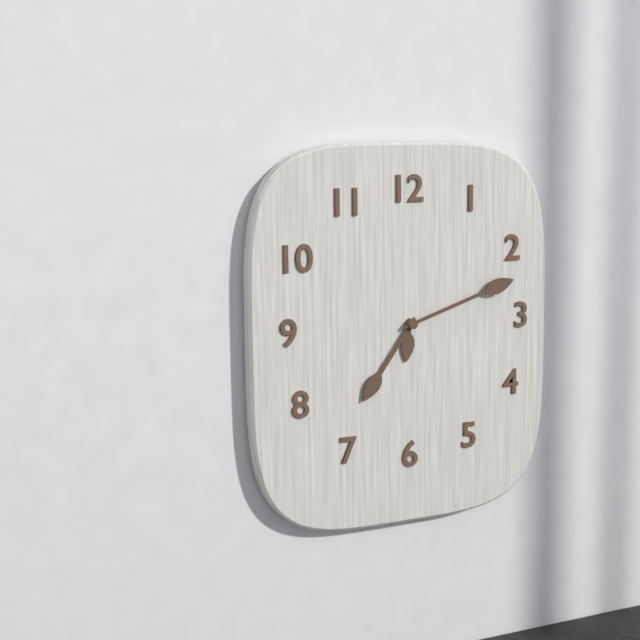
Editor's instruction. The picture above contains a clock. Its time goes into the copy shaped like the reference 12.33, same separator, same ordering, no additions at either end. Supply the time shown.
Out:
7.12
